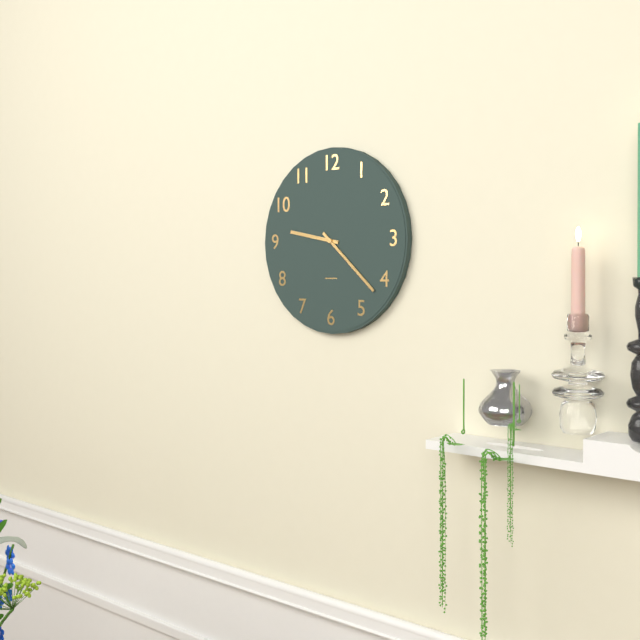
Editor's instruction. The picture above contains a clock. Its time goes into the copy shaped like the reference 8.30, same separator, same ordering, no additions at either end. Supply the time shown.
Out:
9.22
